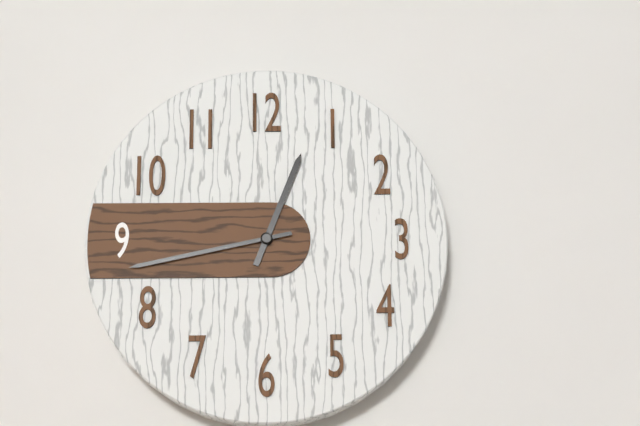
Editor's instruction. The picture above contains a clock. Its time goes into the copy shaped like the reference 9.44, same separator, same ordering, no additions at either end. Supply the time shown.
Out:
12.43
